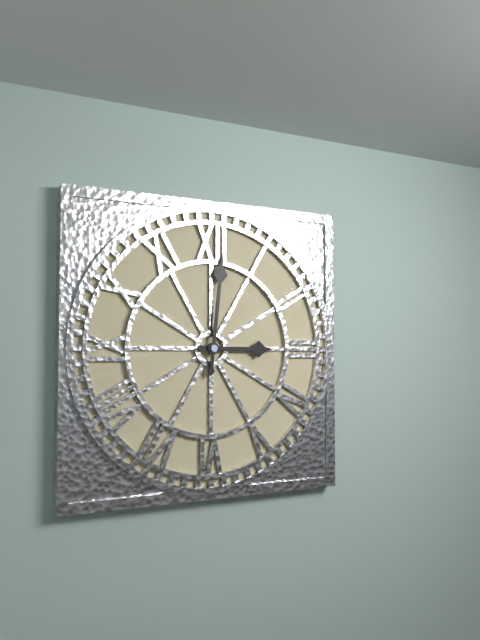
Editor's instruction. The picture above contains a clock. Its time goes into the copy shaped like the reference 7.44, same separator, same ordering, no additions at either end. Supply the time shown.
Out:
3.01
